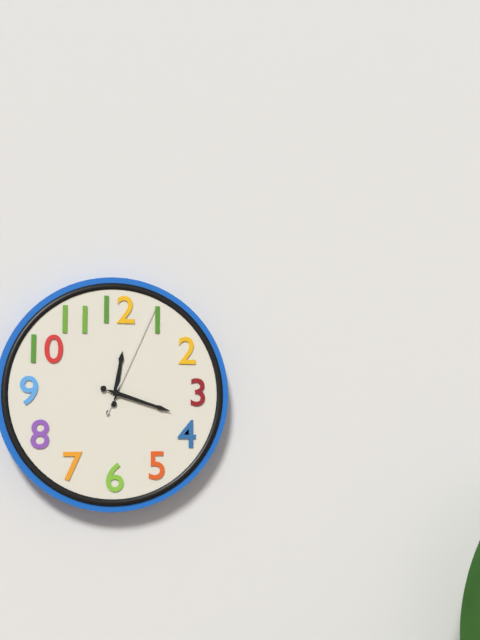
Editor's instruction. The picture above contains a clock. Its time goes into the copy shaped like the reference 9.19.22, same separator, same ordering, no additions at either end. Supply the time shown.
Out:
12.18.04
